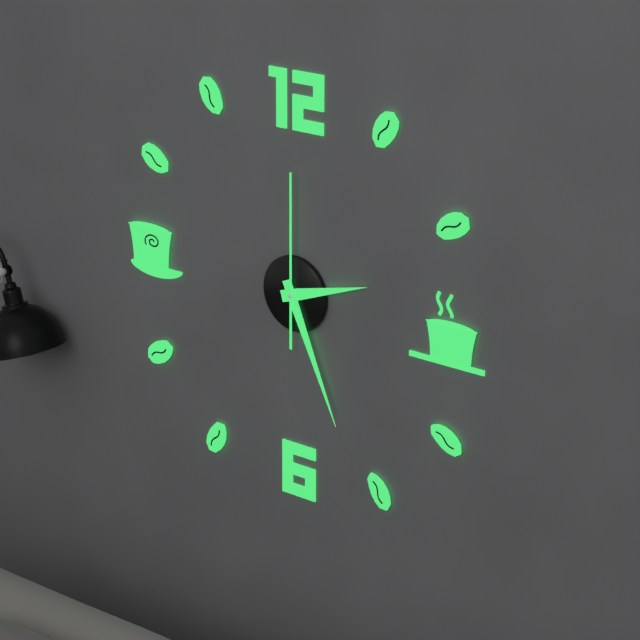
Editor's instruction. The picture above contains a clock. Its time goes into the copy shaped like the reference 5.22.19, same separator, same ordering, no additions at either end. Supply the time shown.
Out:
2.26.00
